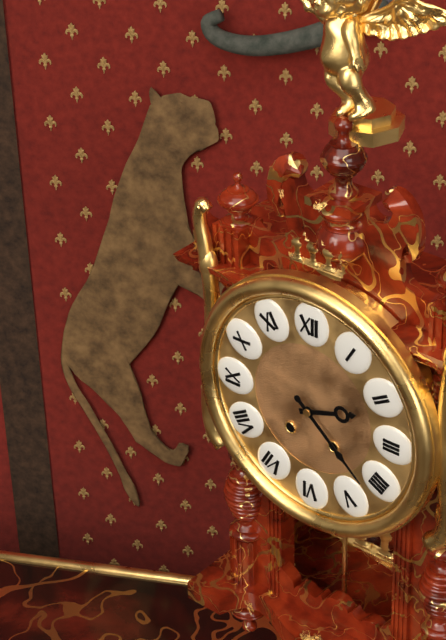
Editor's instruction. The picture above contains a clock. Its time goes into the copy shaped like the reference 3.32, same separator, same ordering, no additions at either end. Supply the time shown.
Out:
2.22
